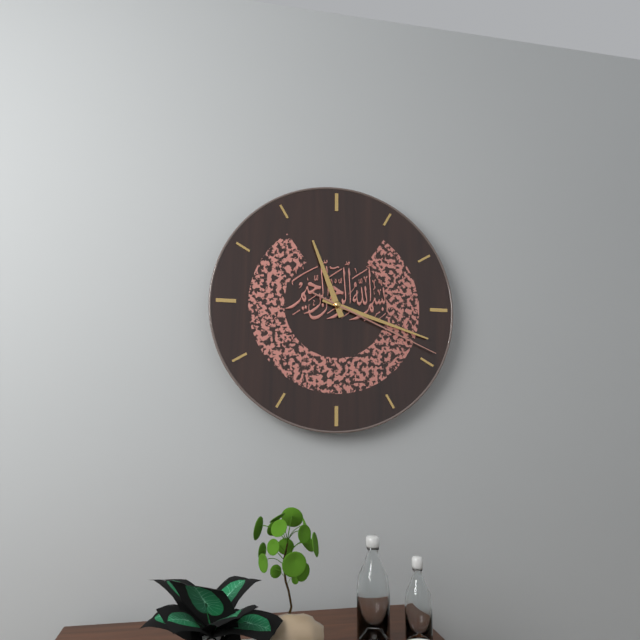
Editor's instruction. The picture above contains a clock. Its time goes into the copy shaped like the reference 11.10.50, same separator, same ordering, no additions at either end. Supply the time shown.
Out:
11.18.19
